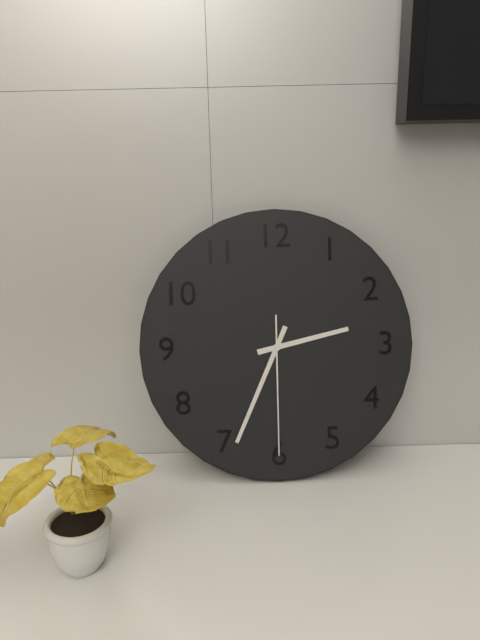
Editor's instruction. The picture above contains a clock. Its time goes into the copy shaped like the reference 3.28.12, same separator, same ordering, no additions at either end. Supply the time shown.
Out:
2.34.30
